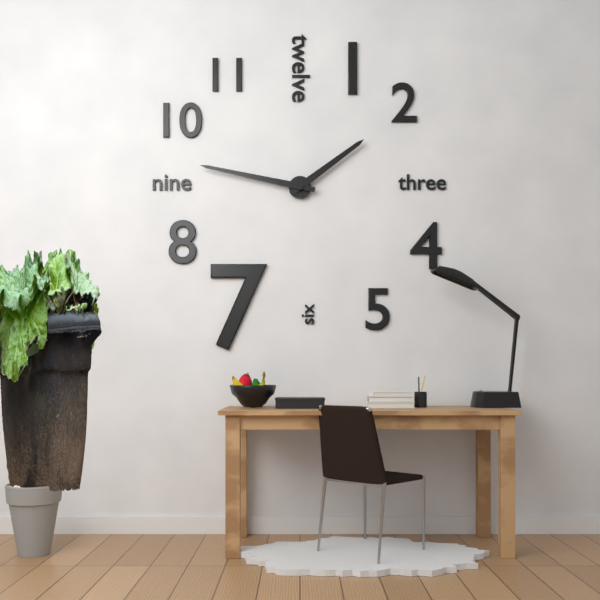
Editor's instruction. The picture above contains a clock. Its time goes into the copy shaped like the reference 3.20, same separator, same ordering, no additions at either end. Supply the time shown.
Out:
1.47
